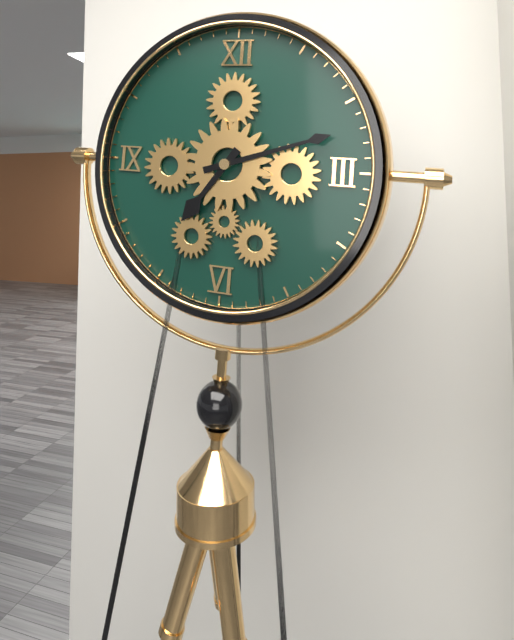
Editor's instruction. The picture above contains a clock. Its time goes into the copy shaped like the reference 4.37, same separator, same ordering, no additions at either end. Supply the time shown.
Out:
7.12
